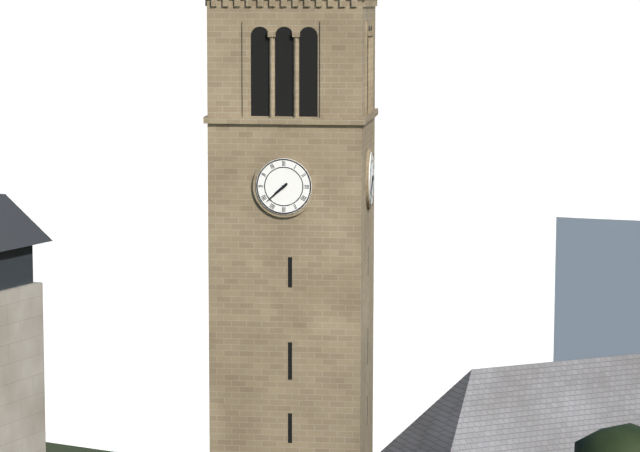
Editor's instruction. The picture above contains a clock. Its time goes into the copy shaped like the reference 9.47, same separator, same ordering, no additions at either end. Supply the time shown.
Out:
7.38
